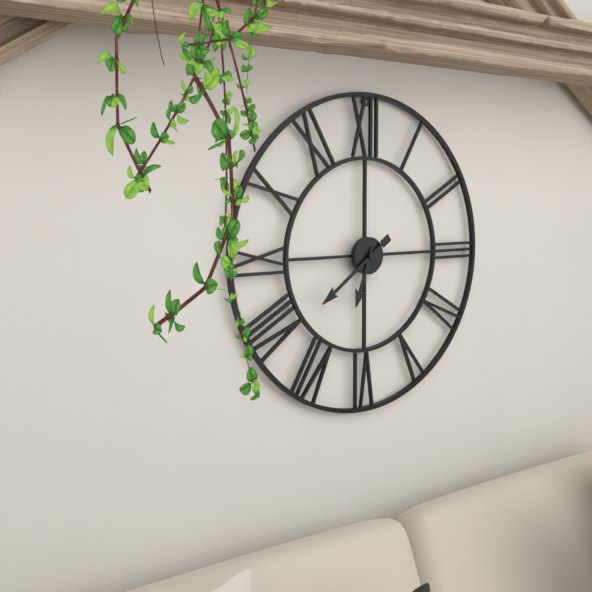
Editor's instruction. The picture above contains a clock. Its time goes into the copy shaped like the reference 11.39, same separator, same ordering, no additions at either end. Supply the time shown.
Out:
6.39
